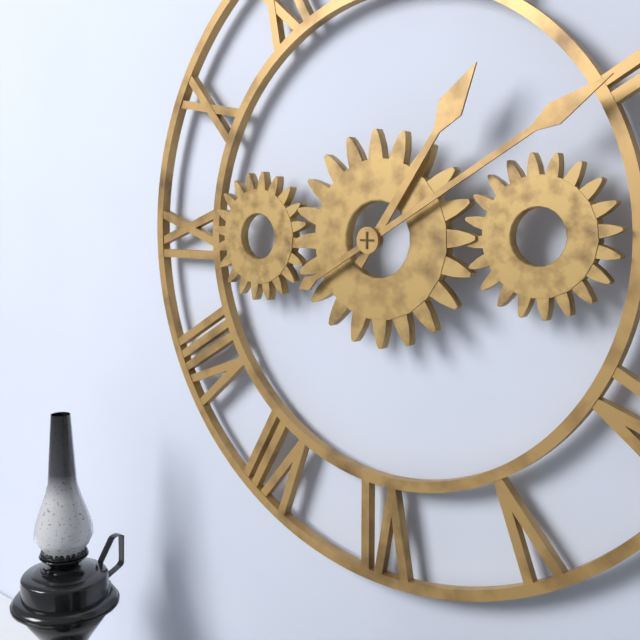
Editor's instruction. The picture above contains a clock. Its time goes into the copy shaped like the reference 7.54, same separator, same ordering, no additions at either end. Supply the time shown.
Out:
1.10
